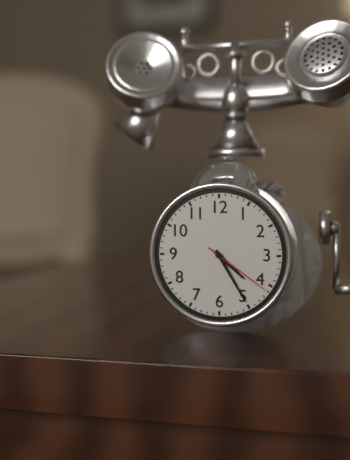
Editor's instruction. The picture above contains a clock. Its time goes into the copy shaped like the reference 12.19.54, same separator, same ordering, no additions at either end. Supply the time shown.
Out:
4.25.21
